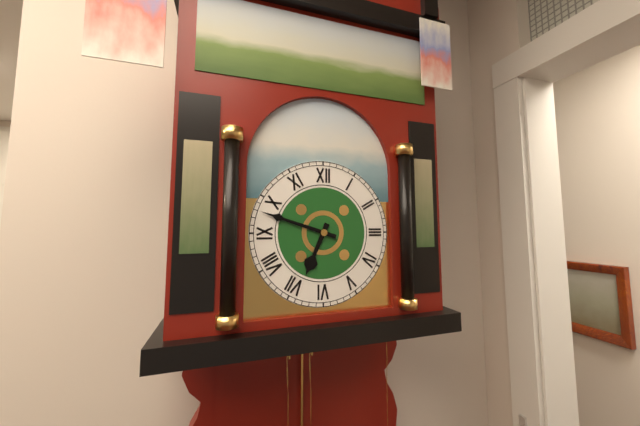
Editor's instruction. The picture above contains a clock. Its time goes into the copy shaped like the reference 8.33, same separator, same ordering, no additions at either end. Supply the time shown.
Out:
6.48
